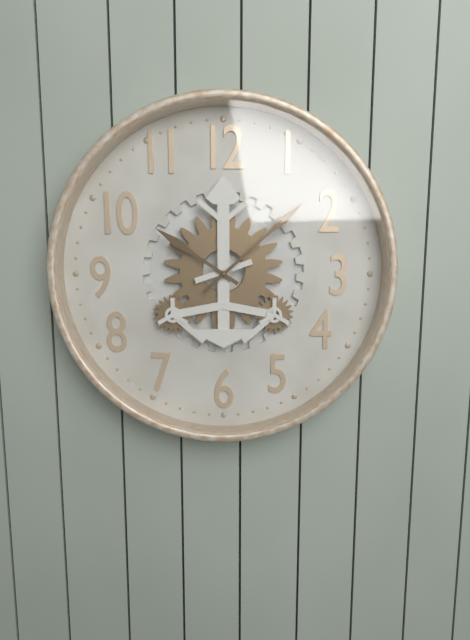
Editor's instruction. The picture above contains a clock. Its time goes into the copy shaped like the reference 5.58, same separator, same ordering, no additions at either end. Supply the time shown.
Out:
10.08
